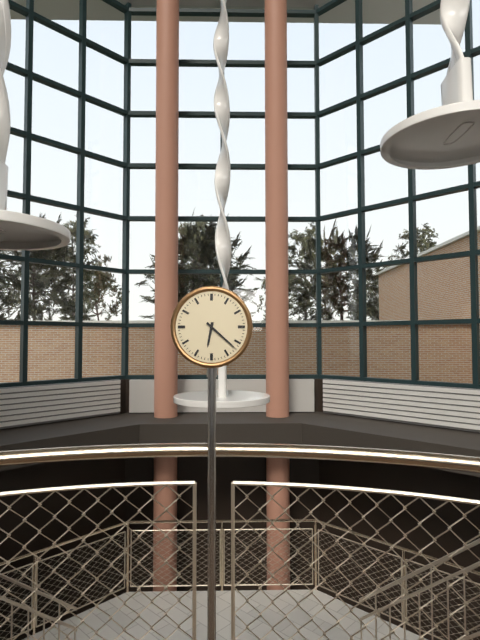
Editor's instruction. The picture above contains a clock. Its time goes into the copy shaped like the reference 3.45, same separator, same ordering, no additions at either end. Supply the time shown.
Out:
6.22
